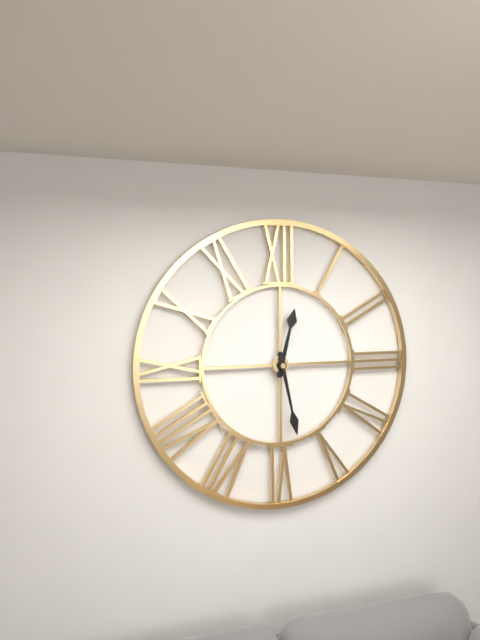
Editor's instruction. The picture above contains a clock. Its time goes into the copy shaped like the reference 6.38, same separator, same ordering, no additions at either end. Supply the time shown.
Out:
12.28
